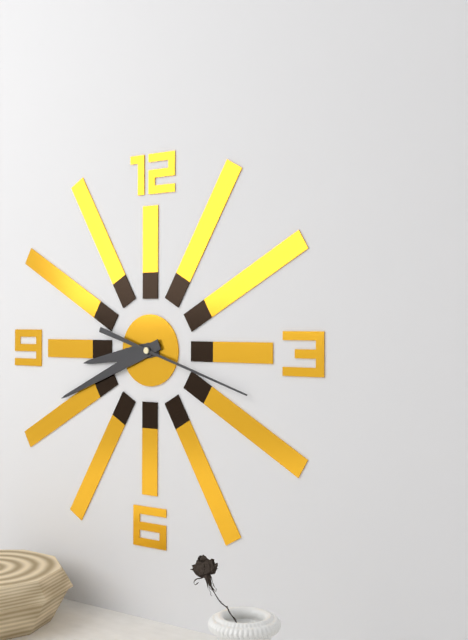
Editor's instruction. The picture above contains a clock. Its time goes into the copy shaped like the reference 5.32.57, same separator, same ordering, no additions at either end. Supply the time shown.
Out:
8.41.18
